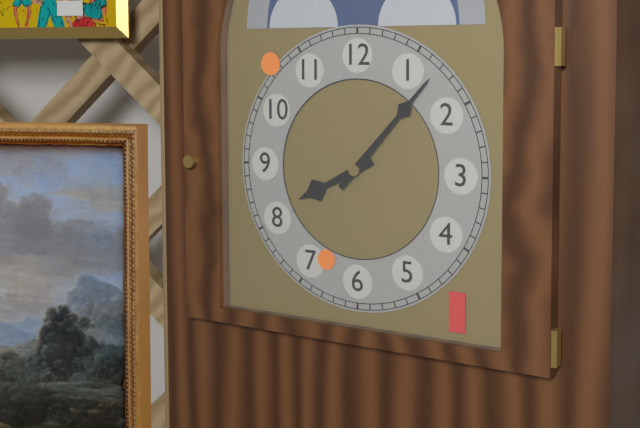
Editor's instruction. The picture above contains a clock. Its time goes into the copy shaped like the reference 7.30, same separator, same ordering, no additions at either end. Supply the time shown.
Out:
8.07
